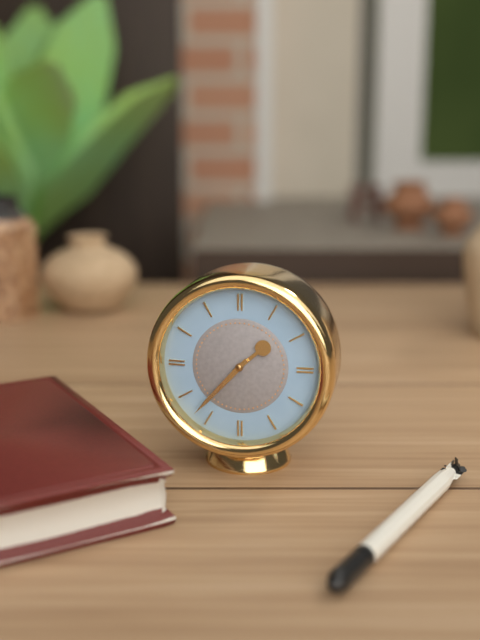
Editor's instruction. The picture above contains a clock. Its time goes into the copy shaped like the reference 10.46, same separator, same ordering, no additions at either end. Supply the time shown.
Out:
1.37
